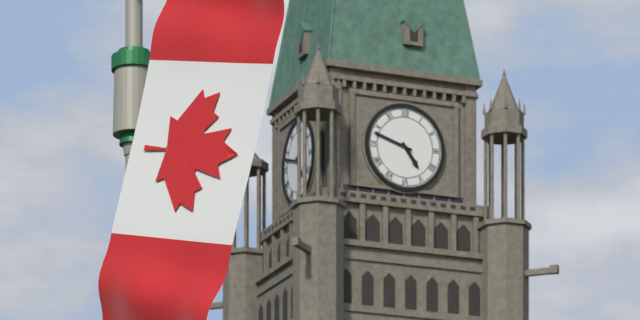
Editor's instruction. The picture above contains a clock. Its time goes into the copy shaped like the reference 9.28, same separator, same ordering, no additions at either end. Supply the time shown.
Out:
4.48
